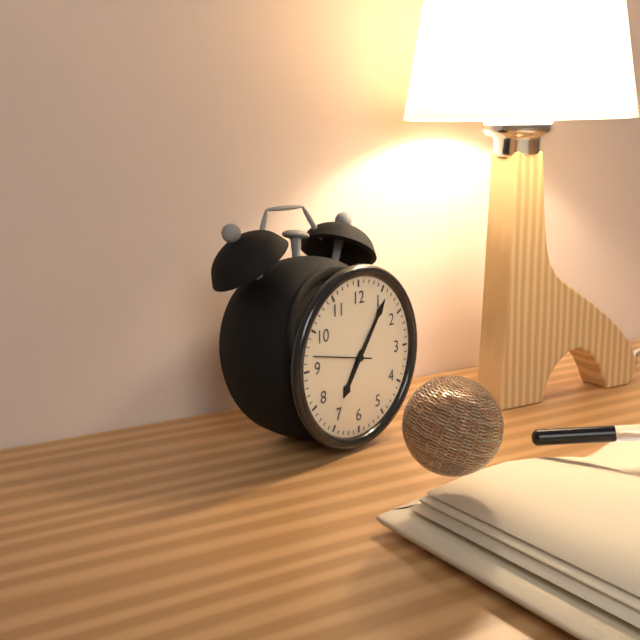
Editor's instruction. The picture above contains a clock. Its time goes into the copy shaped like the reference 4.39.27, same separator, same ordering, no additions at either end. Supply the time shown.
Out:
7.06.47
